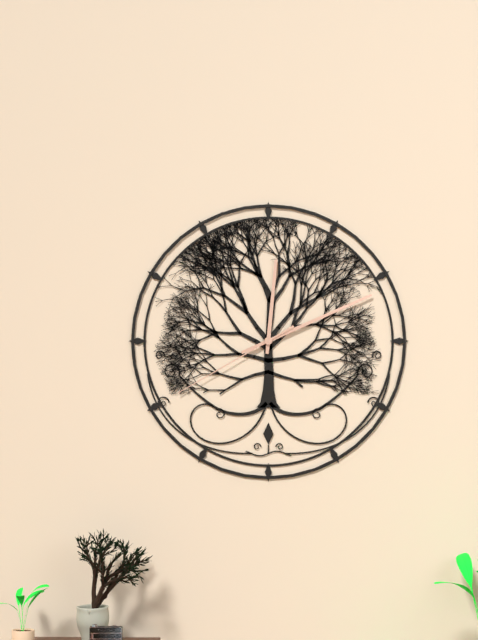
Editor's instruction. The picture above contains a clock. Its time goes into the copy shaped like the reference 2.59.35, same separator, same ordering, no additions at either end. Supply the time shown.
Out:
12.11.40
